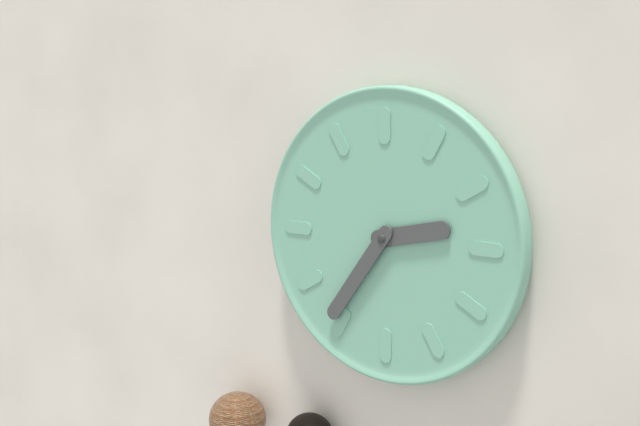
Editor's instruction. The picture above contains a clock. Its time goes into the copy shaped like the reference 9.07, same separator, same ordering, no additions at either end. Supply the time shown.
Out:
2.36
